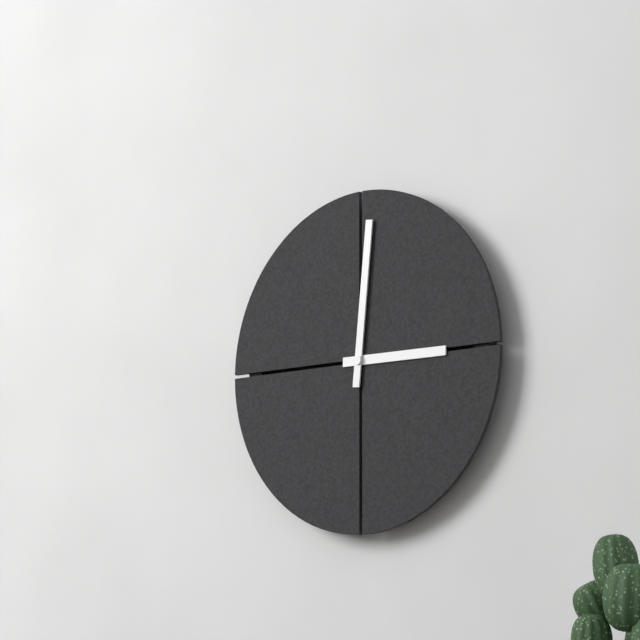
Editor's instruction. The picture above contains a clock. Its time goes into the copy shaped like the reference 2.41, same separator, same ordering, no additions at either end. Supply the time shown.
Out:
3.01
